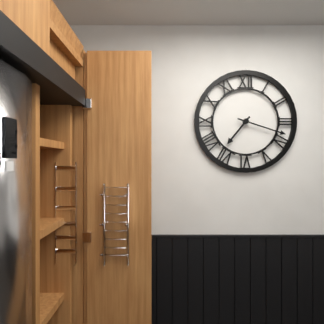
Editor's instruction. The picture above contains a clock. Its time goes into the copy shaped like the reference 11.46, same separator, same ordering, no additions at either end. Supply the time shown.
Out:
7.18
